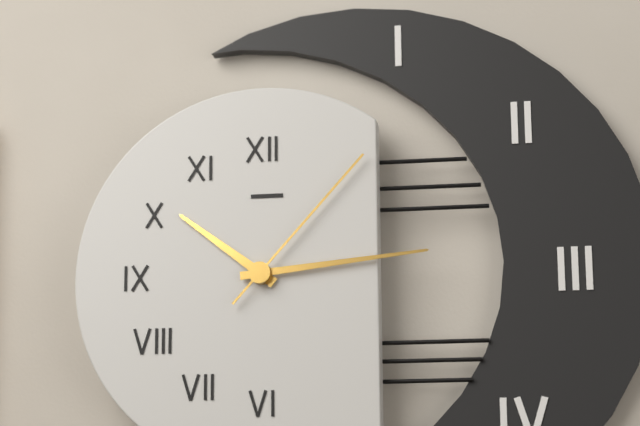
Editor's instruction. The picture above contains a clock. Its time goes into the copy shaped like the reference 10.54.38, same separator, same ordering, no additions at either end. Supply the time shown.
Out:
10.14.07
